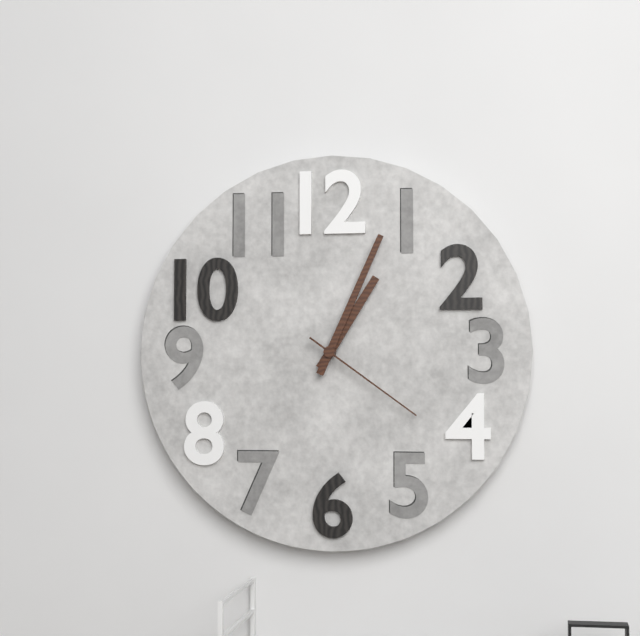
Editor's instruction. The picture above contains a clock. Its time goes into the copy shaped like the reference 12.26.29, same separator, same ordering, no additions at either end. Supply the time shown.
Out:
1.04.21
